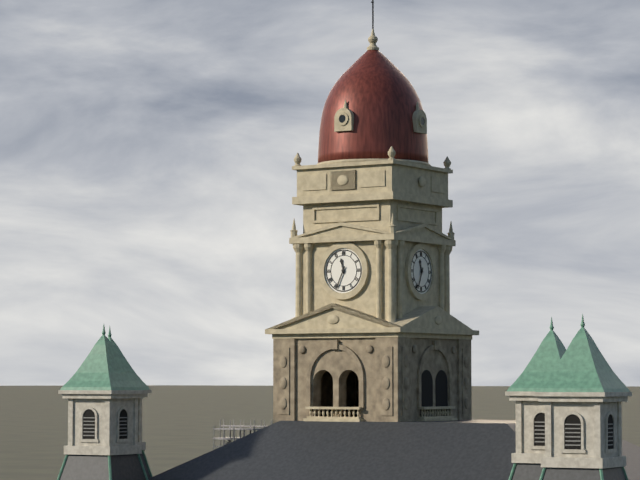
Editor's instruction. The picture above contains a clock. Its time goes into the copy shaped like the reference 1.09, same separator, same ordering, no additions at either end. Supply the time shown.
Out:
11.34
